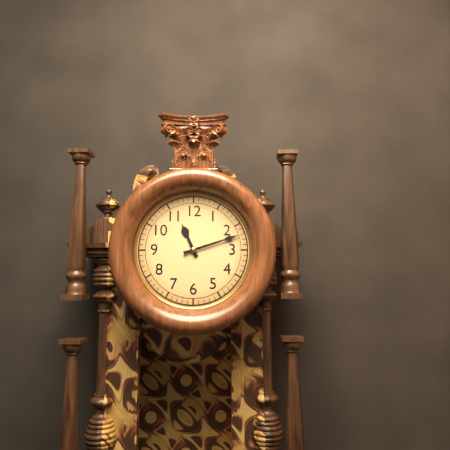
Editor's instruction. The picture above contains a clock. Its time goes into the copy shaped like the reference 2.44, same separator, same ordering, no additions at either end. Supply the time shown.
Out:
11.12
